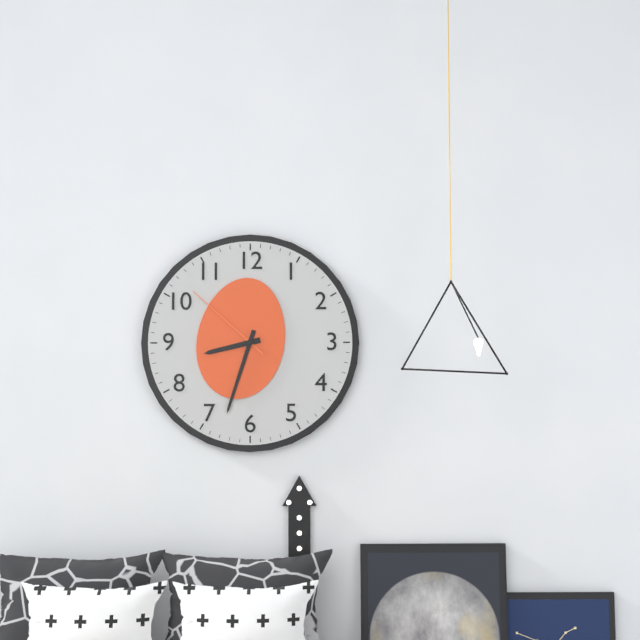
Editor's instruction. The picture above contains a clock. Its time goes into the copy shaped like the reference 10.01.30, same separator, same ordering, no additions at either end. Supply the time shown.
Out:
8.33.52
